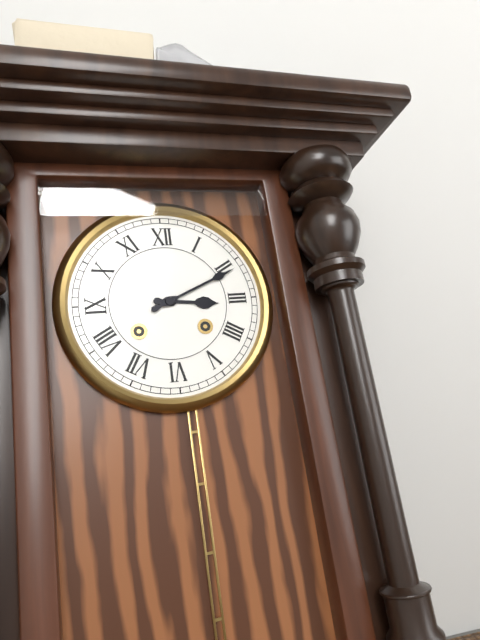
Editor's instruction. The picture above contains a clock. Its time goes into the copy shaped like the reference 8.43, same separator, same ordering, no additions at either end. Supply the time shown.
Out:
3.11
